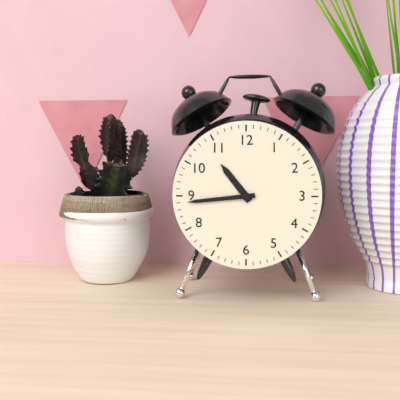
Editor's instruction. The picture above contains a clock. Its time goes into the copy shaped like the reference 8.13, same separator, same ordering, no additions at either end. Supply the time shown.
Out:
10.44
